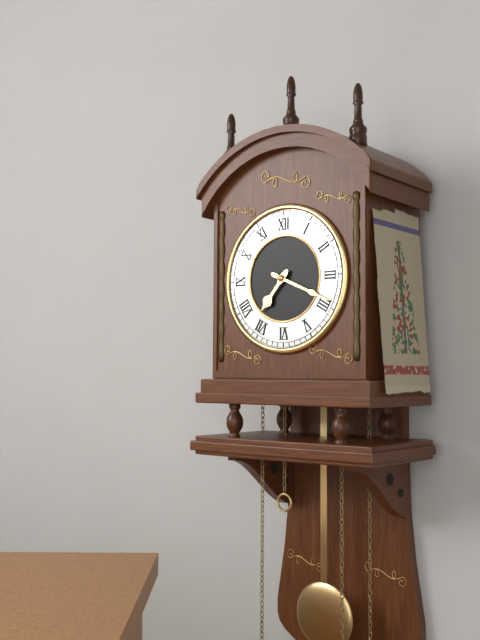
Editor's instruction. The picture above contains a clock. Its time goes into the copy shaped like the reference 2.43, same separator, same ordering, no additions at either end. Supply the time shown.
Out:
7.19
